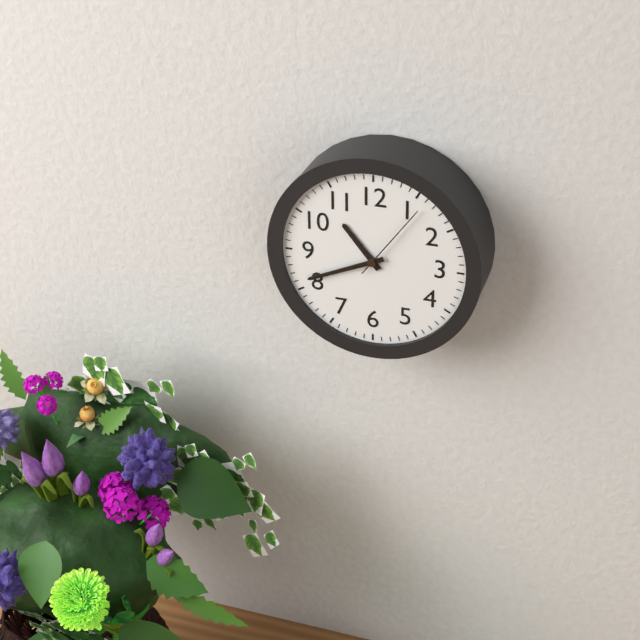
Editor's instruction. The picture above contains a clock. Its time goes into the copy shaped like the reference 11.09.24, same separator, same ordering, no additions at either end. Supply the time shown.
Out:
10.41.06
